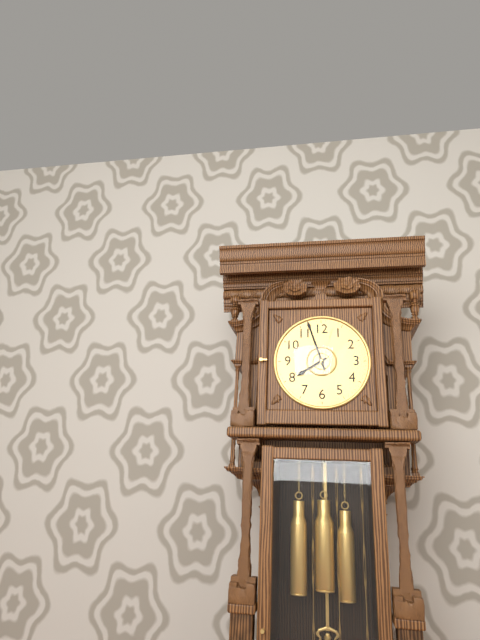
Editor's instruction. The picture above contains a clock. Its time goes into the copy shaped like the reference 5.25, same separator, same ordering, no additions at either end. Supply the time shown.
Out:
7.57
